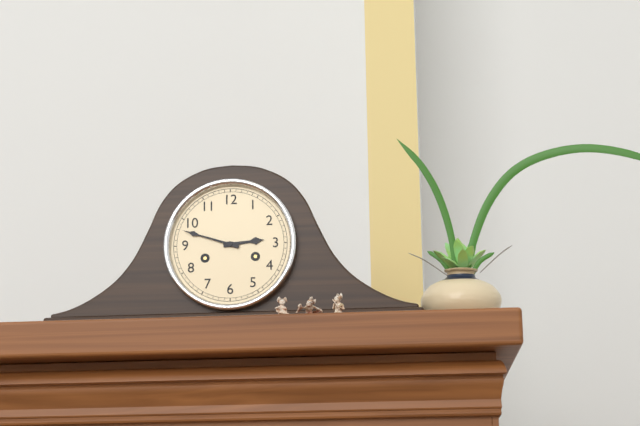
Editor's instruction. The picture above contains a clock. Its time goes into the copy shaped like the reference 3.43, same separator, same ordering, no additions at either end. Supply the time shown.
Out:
2.48
